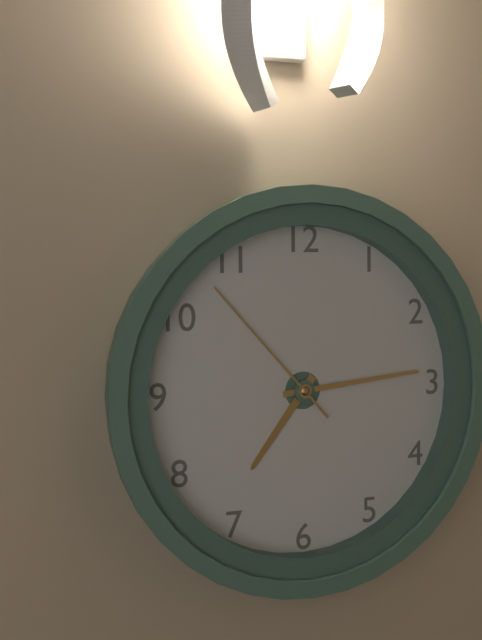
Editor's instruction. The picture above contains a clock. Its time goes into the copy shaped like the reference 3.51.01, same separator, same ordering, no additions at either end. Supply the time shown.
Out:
7.14.53
